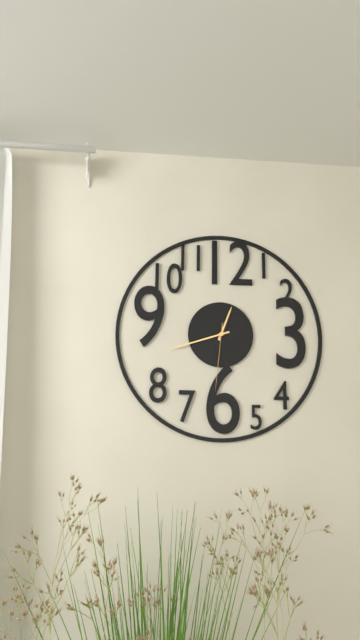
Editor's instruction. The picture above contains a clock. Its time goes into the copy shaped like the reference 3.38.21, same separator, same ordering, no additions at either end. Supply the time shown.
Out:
12.42.31
